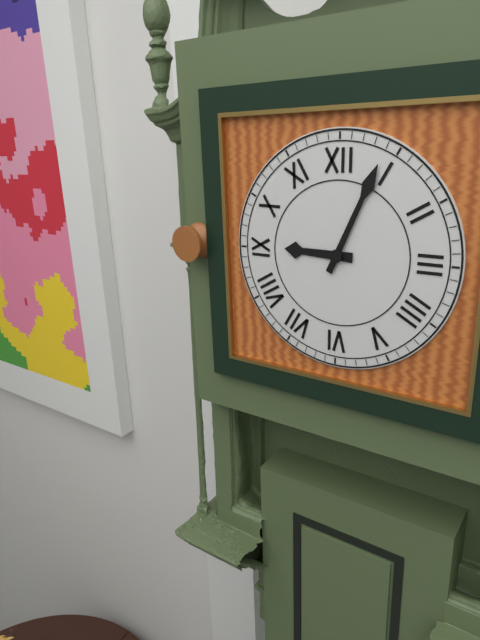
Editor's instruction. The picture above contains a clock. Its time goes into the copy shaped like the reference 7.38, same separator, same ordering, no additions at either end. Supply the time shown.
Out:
9.04
